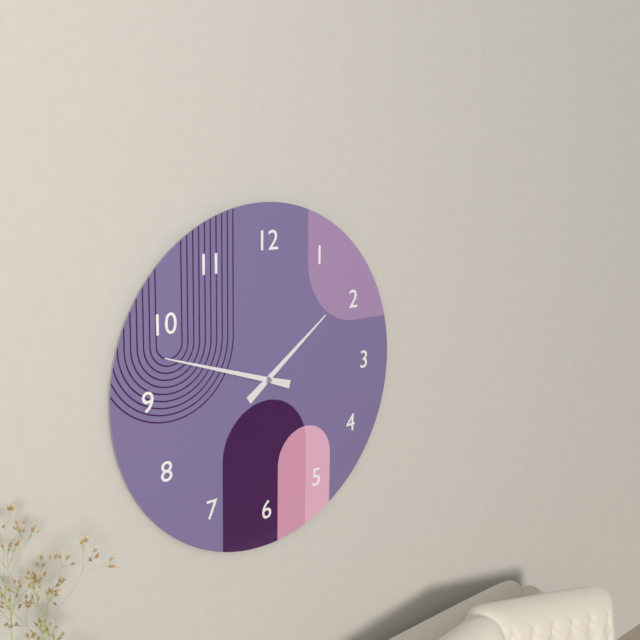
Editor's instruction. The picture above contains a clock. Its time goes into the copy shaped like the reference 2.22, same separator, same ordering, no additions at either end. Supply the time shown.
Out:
1.48
